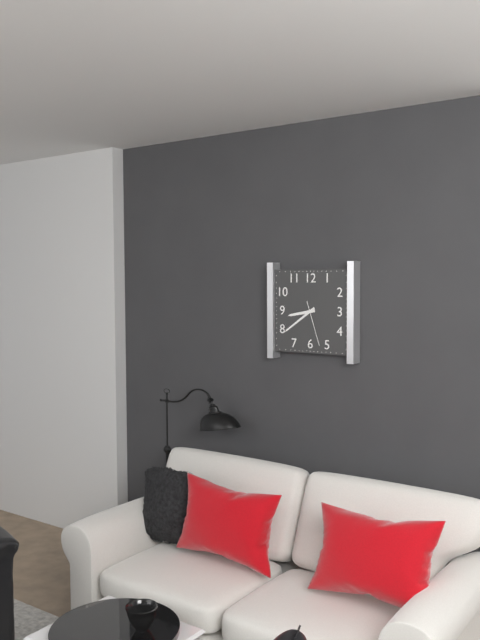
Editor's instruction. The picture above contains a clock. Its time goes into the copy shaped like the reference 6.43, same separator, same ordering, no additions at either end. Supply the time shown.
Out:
8.39
